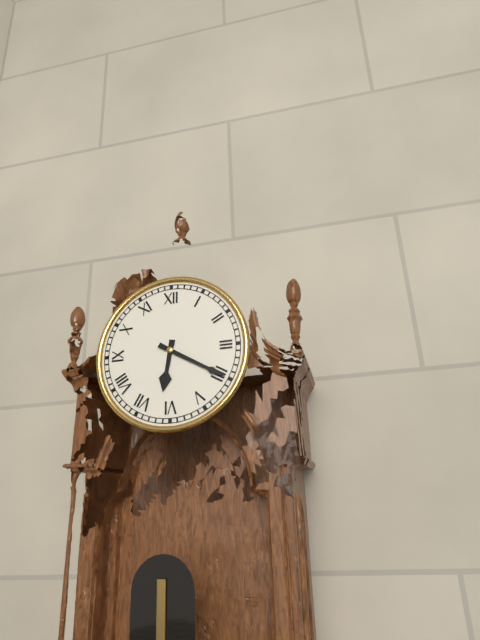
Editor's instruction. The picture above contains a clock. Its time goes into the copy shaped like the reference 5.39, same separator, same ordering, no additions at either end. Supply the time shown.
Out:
6.20
